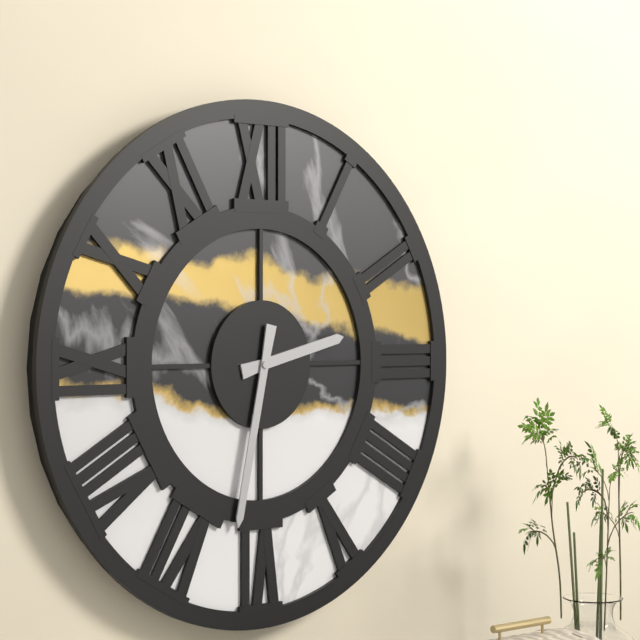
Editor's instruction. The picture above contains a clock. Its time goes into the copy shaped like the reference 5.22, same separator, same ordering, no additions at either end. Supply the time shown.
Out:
2.32
